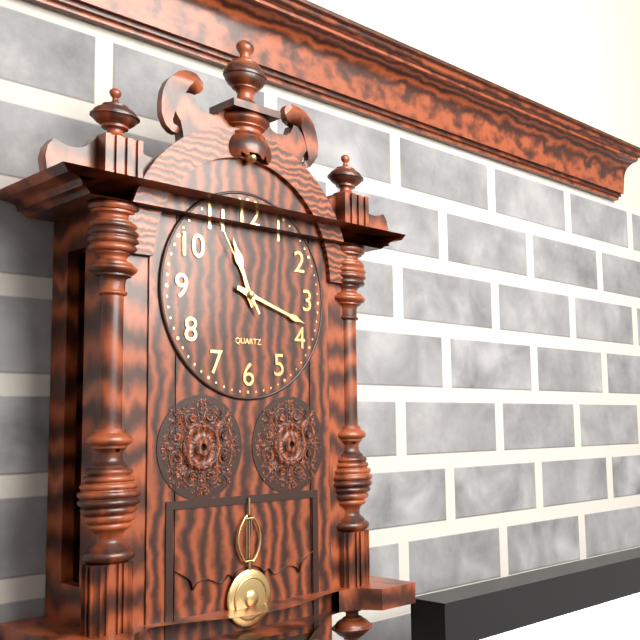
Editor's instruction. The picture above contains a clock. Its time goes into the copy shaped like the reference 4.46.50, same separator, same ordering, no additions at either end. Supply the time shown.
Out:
11.18.55
